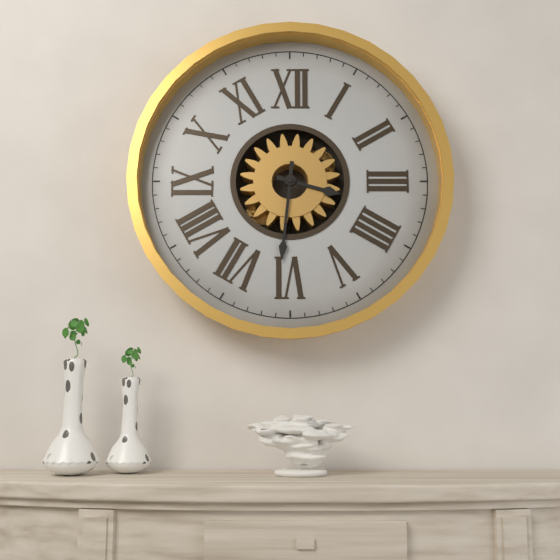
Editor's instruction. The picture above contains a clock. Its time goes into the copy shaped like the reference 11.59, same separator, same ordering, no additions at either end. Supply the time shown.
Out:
3.31
